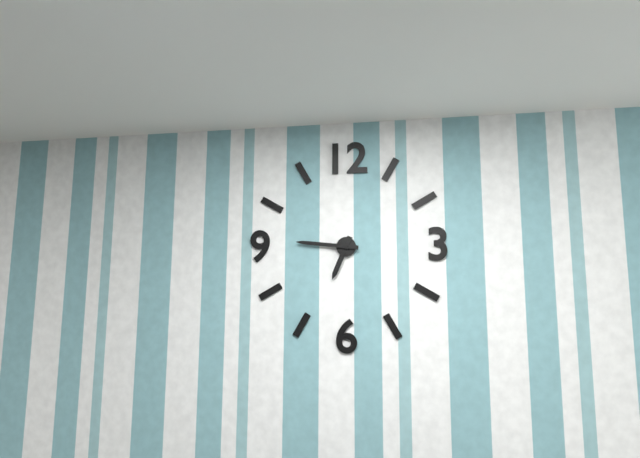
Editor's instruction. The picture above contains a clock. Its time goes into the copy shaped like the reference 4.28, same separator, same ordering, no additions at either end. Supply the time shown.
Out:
6.46
